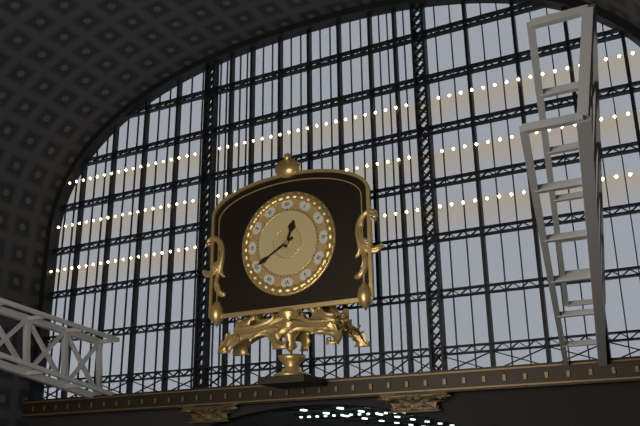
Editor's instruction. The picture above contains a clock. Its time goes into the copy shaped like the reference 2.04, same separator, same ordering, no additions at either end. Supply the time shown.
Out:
12.40
